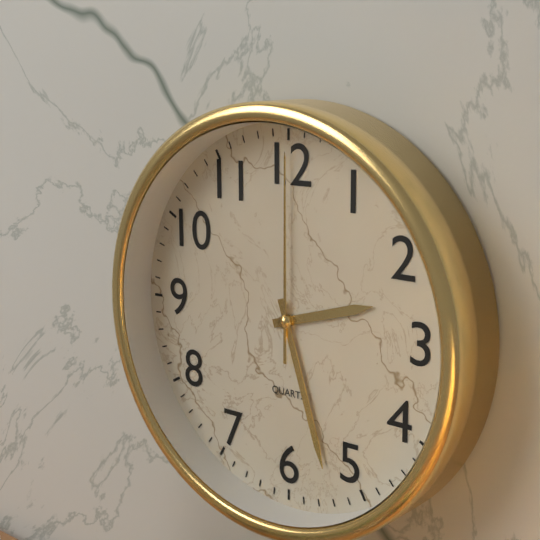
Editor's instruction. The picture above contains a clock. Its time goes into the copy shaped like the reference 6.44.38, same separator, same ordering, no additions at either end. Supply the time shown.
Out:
2.27.00
